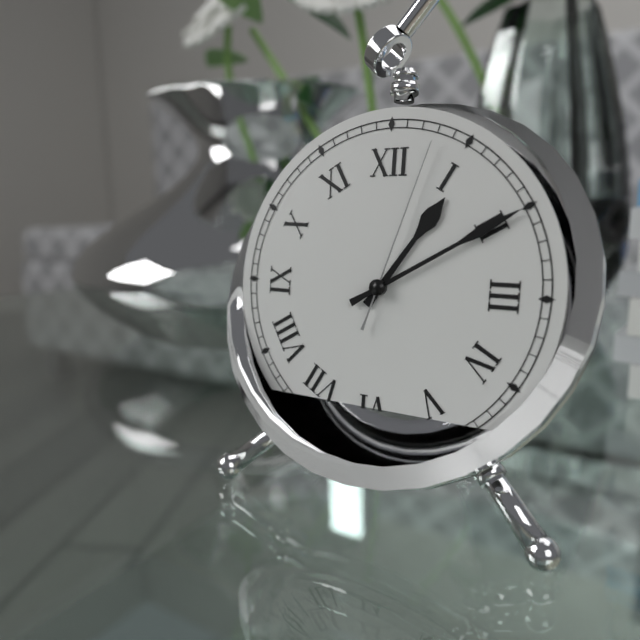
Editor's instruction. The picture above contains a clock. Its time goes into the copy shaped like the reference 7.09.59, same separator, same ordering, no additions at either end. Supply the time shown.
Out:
1.10.03
